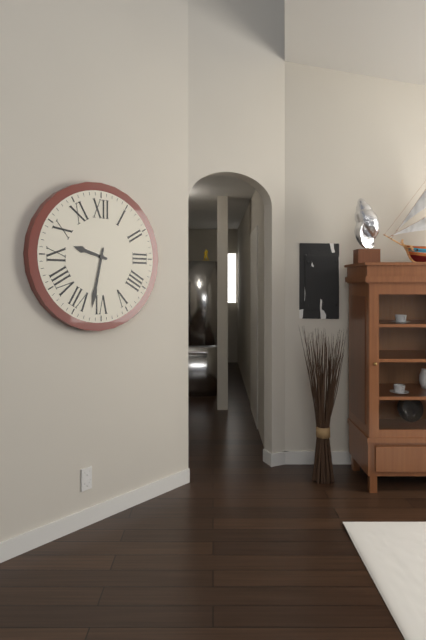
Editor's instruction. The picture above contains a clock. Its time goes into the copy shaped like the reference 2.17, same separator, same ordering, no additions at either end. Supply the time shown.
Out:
9.32
